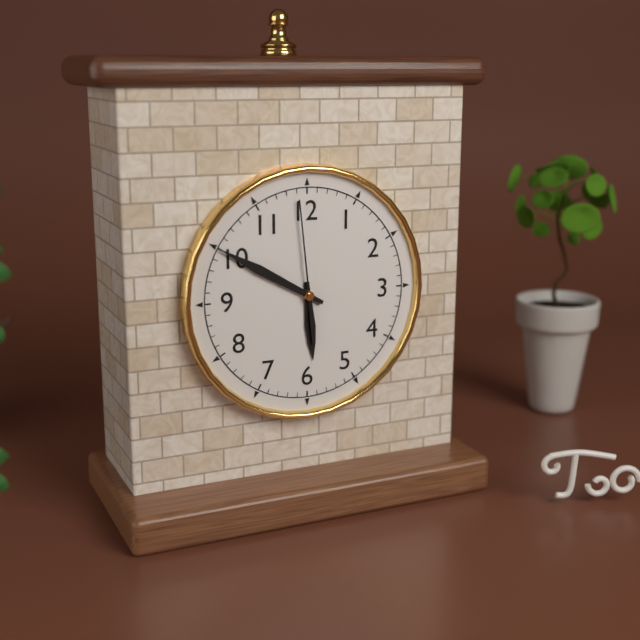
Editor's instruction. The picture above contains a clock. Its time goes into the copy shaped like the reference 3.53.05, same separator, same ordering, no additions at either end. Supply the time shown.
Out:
5.50.59
